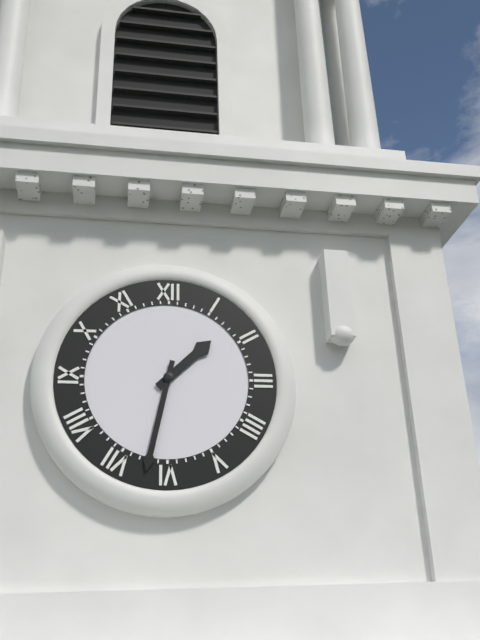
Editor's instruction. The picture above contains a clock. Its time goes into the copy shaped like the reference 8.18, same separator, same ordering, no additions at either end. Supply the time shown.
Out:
1.32
